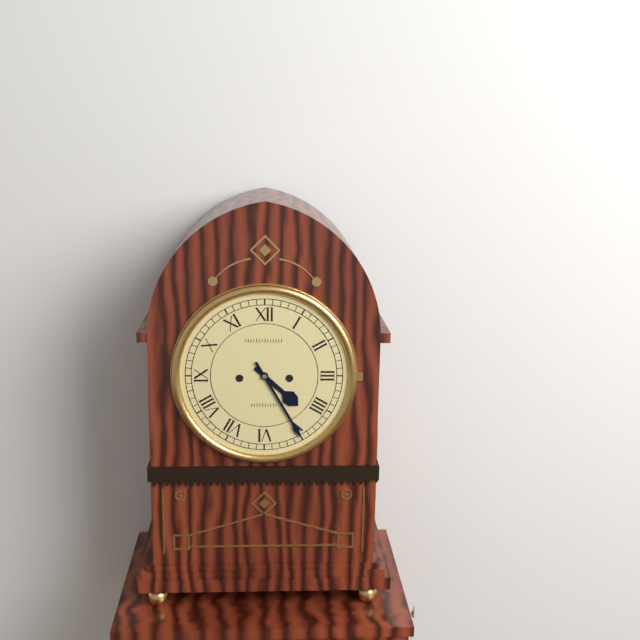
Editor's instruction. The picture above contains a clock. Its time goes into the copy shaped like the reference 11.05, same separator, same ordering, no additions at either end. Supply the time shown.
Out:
4.25
